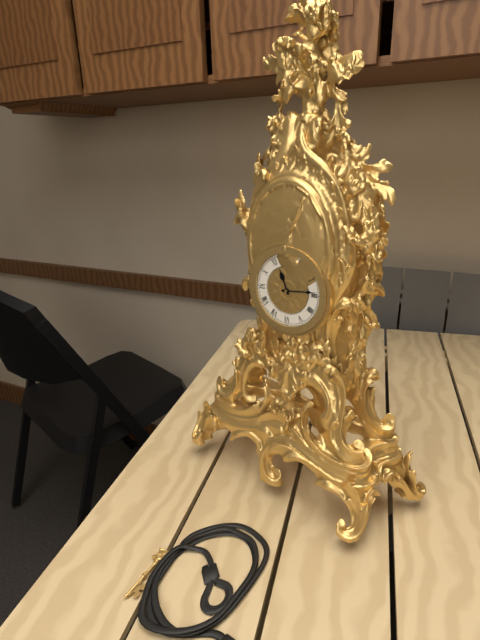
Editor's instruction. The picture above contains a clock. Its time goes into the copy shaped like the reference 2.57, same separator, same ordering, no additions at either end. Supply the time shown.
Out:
11.14
